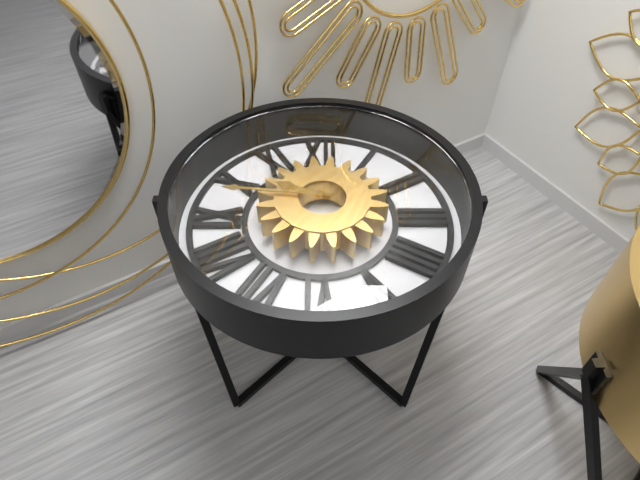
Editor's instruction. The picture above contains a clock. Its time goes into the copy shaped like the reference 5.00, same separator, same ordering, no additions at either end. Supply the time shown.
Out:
9.46
